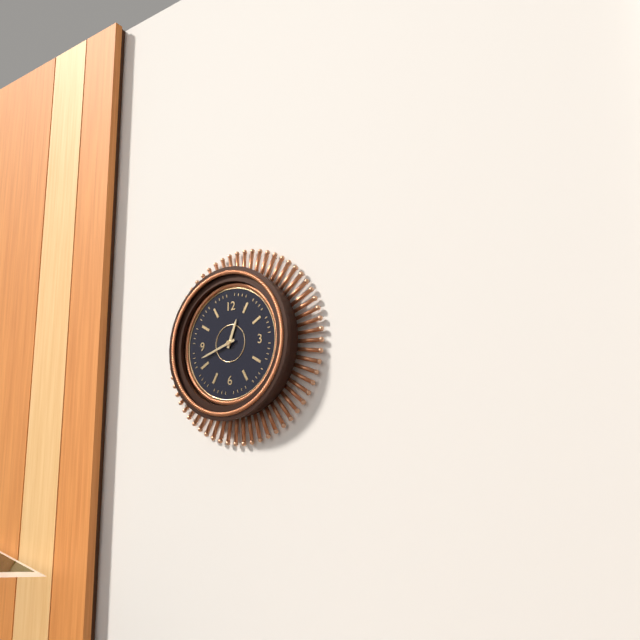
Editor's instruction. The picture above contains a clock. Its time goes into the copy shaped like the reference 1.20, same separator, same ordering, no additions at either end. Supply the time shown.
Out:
12.42
